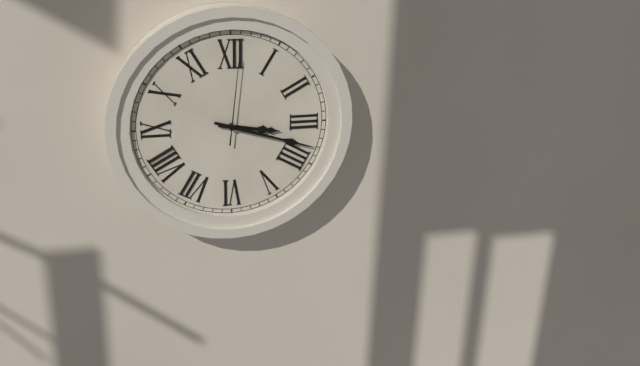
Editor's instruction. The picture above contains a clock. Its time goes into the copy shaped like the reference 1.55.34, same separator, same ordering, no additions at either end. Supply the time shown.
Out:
3.18.01
